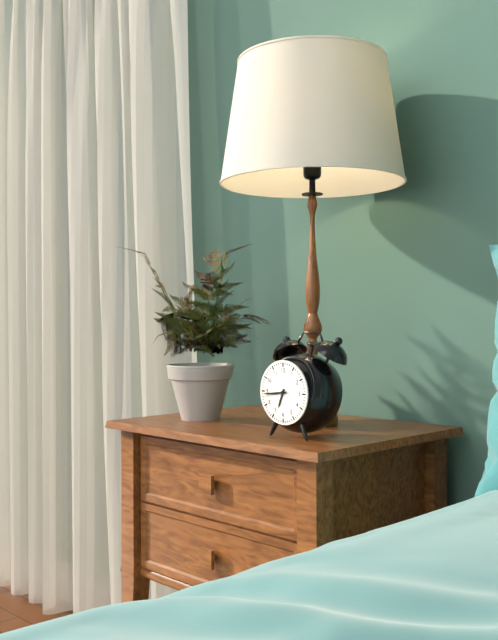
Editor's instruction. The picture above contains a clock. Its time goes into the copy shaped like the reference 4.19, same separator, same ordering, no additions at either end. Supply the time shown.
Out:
6.44
